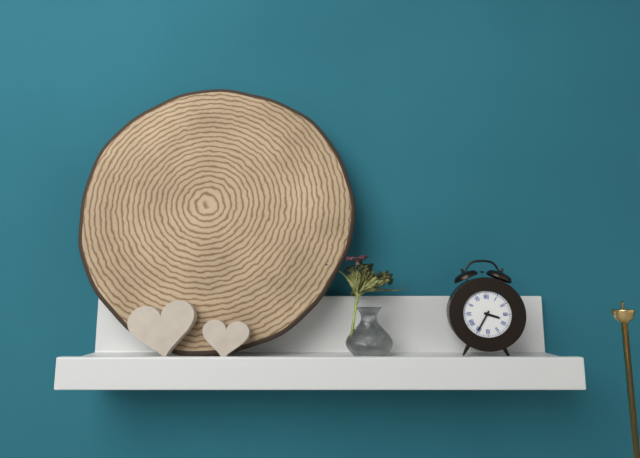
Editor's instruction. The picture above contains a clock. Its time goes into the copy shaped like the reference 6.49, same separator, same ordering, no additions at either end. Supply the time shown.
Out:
3.35
